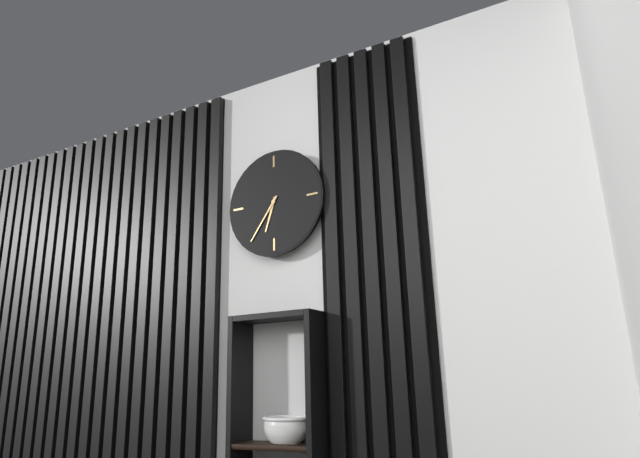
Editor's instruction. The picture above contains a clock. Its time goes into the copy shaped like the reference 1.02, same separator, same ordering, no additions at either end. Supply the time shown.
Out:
6.36
